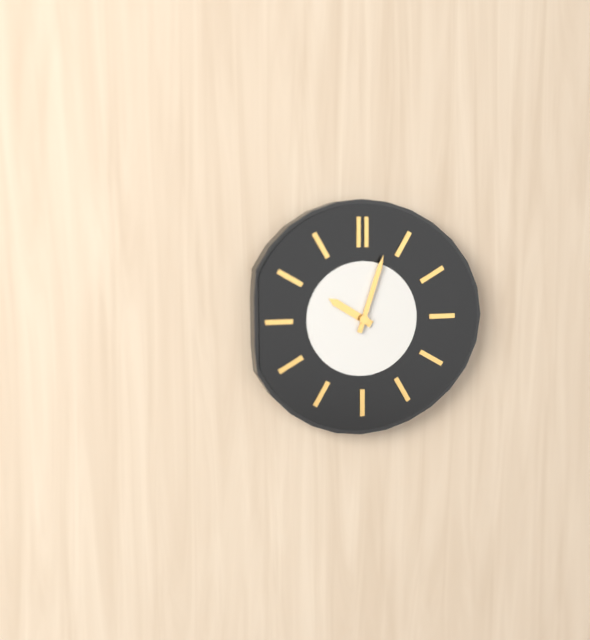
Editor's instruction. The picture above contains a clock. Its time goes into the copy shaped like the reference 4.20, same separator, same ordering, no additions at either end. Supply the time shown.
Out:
10.03
